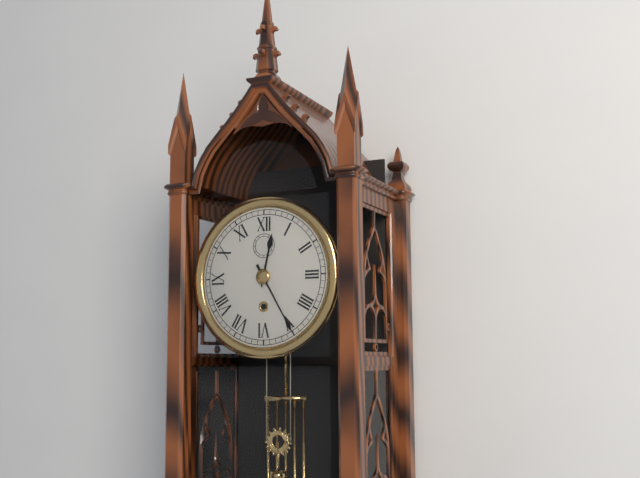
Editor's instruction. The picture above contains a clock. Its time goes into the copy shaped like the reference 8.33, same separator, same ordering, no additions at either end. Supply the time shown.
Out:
12.25
